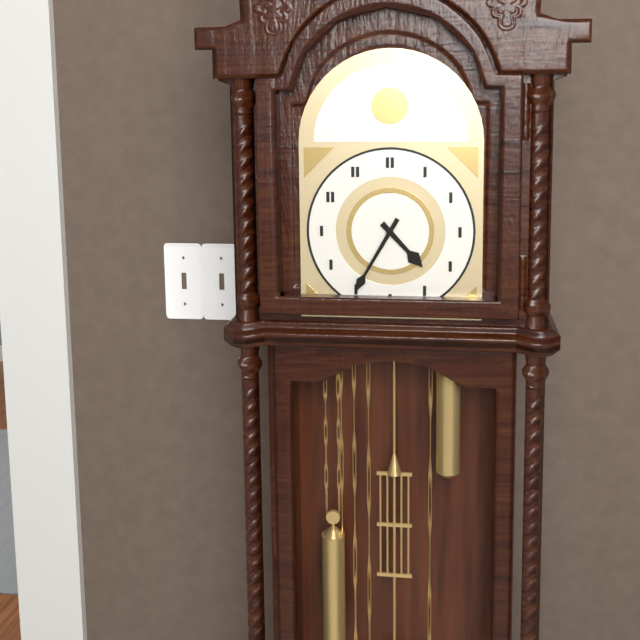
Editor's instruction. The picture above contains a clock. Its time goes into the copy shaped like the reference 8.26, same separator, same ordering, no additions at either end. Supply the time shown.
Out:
4.35
